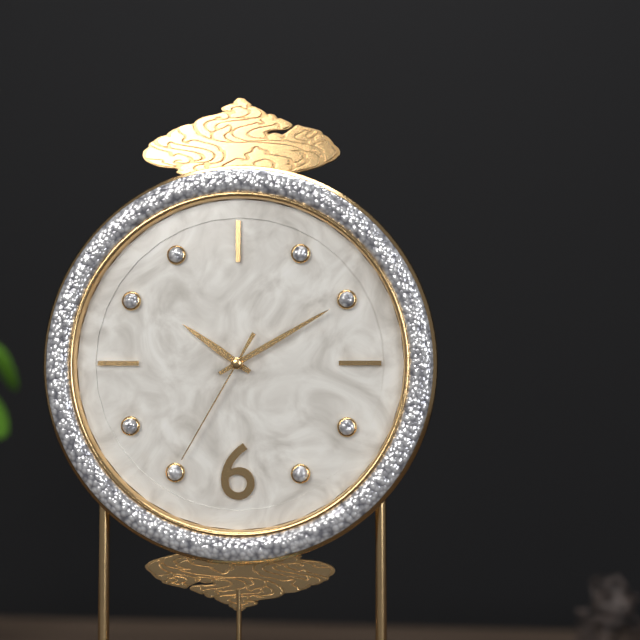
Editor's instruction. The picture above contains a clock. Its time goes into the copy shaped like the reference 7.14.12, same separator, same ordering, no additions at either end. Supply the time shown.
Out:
10.10.35
